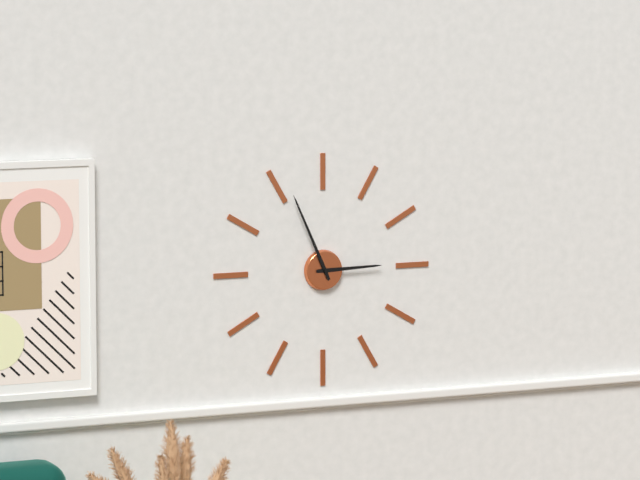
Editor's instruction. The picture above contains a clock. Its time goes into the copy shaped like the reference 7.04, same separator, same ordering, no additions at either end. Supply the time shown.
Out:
2.56
